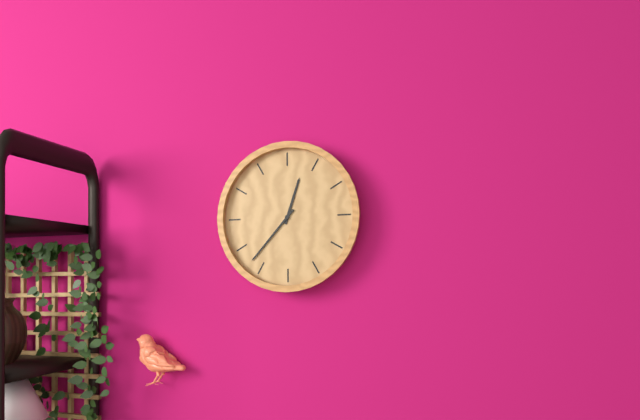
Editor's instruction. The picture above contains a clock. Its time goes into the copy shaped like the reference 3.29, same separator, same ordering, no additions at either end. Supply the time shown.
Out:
12.37
